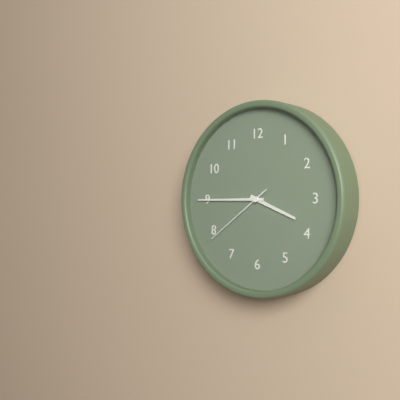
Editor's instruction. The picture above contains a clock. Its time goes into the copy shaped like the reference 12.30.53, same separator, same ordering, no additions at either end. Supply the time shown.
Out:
3.45.39
